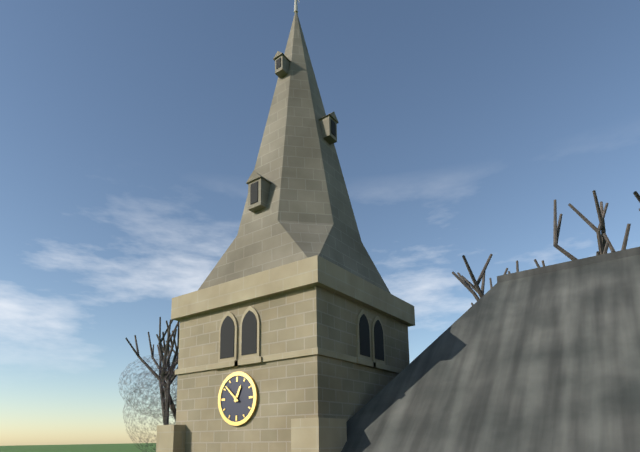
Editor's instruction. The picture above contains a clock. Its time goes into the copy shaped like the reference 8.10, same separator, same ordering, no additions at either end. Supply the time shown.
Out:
12.52
